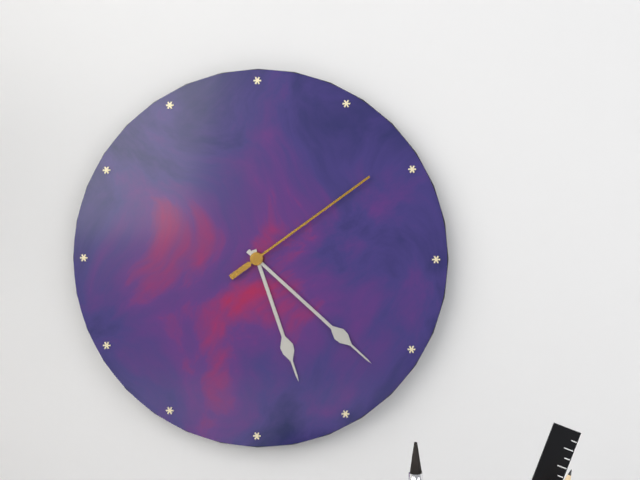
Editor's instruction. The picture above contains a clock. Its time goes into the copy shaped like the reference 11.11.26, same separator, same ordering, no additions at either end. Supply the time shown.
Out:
5.22.09
